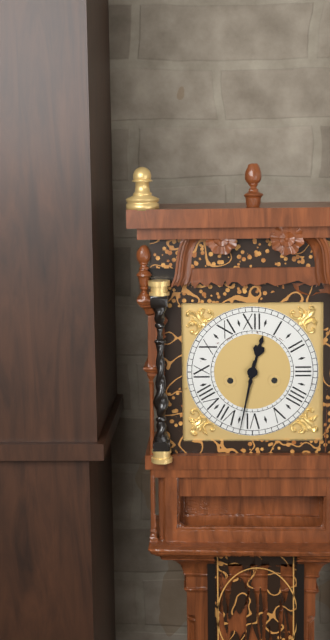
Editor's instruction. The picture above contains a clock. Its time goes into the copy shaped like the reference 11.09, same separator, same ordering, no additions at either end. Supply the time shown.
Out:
12.32
